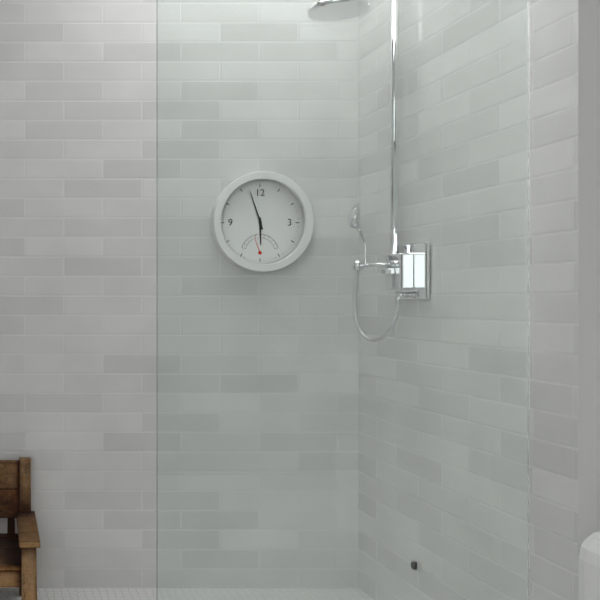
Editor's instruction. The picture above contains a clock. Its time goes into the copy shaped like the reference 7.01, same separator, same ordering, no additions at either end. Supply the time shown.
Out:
5.57
